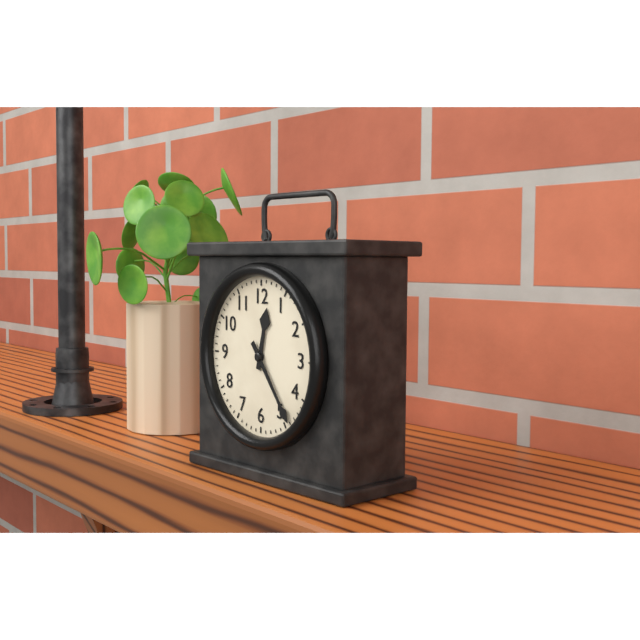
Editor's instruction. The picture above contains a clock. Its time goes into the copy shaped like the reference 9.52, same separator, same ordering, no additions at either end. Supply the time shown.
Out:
12.24
